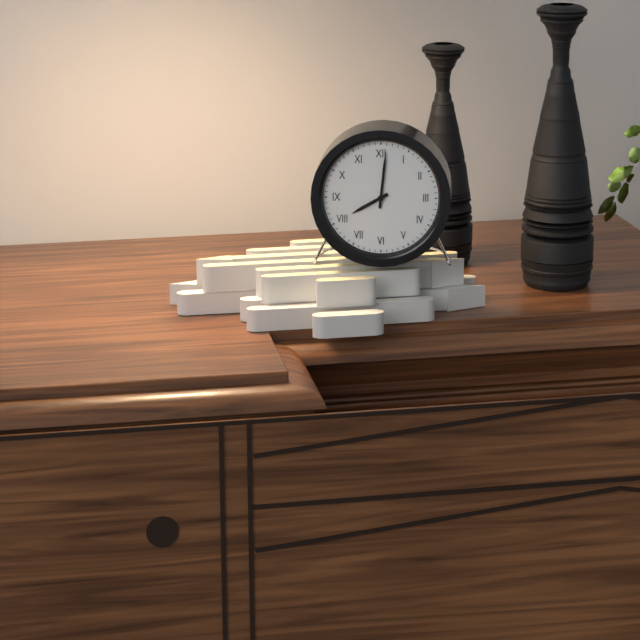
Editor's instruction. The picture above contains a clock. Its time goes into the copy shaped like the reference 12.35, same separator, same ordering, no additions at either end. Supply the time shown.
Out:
8.01
